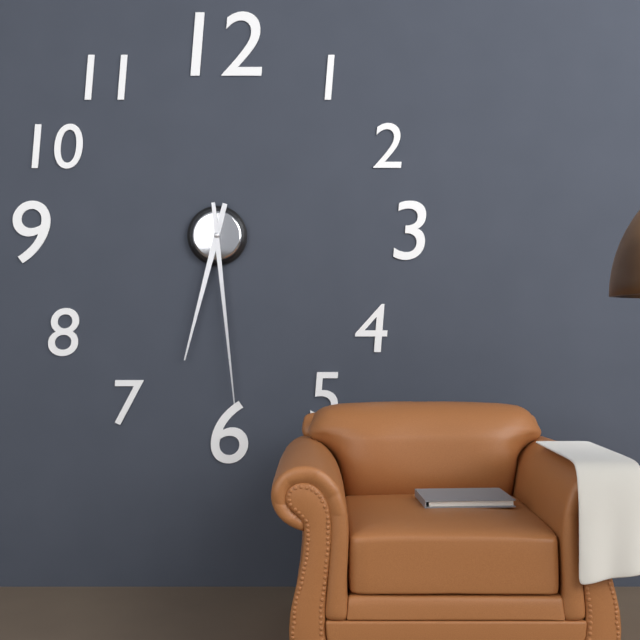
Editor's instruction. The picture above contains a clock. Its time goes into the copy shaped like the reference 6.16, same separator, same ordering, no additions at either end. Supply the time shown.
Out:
6.29
